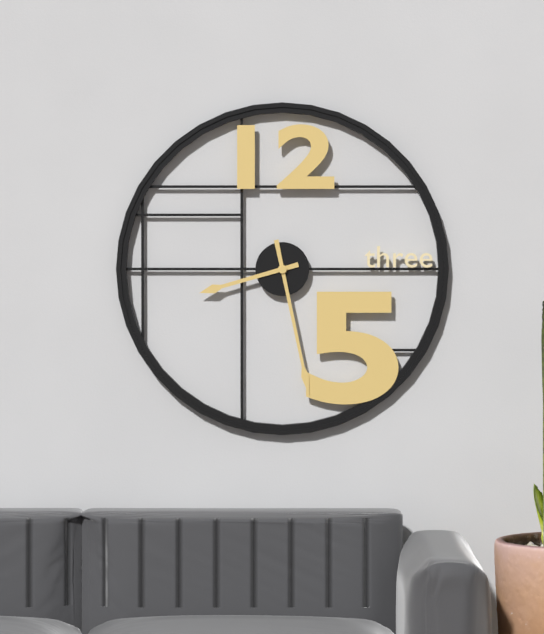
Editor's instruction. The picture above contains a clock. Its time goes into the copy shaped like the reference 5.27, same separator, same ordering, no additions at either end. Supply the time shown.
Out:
8.28
